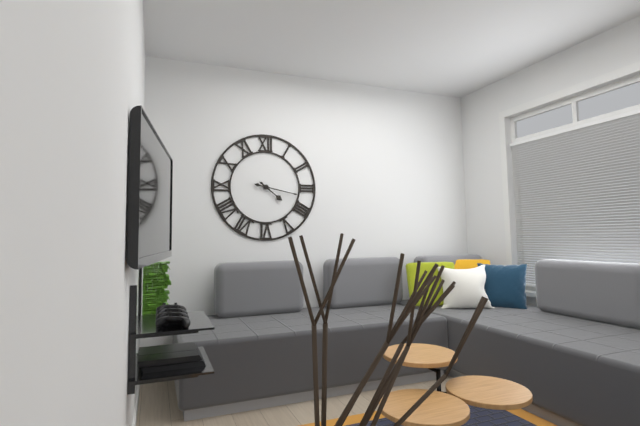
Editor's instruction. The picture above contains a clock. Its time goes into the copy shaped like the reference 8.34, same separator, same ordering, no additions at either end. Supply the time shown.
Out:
4.17
